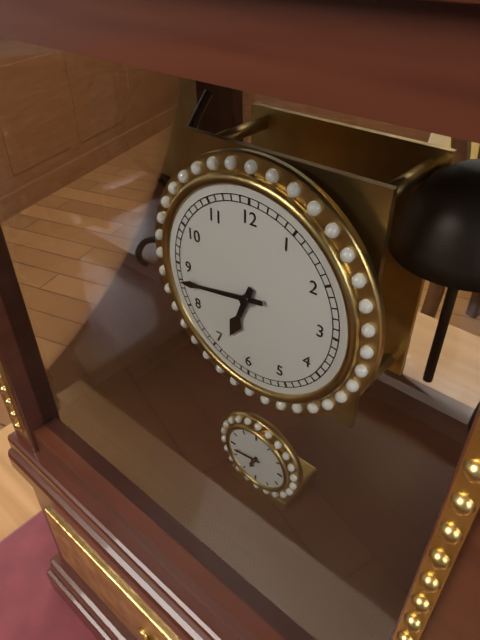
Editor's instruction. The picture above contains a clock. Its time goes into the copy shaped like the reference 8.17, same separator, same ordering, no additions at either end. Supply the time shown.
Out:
6.43
